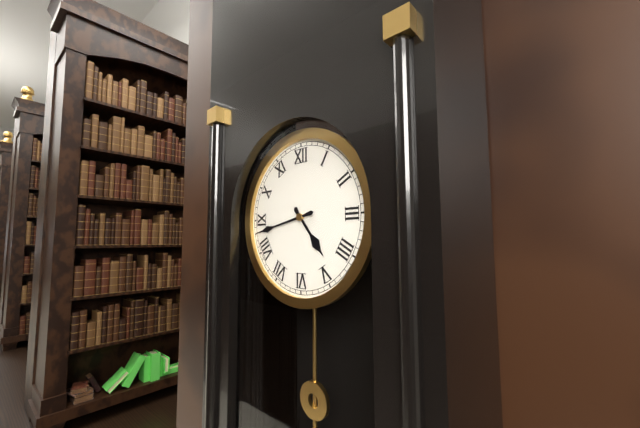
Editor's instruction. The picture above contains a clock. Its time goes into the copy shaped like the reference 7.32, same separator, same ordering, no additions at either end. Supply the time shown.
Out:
4.43
